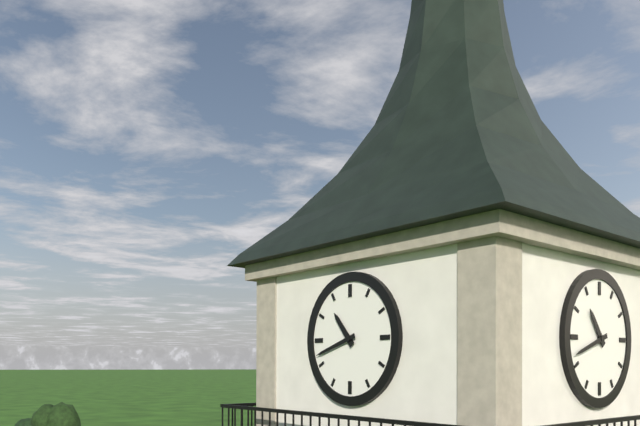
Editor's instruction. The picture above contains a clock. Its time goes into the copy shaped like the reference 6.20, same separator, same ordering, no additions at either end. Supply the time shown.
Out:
10.42
